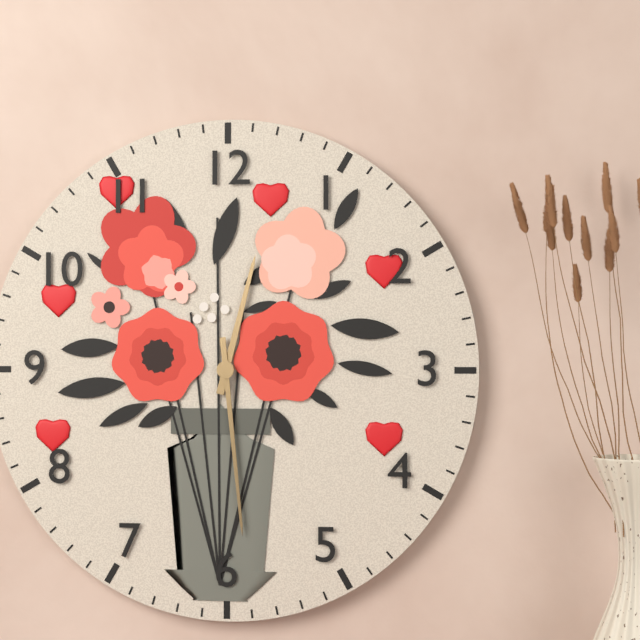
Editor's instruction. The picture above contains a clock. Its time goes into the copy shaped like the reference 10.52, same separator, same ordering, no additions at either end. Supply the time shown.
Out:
12.29
